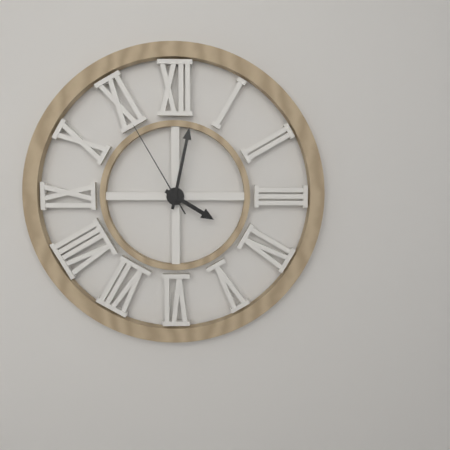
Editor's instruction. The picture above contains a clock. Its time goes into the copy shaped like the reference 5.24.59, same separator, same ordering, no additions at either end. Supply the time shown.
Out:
4.02.55
